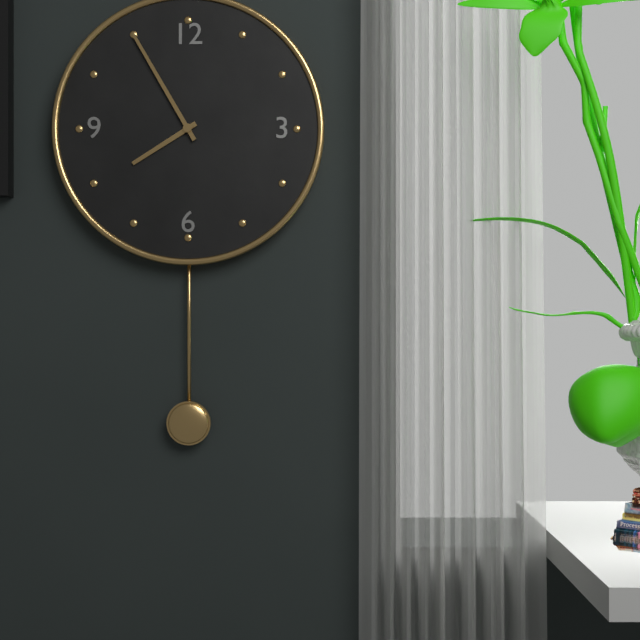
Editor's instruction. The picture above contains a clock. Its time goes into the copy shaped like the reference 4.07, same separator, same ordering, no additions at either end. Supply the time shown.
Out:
7.55
